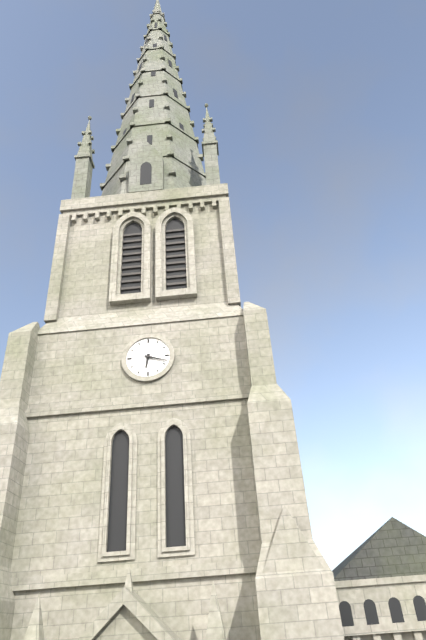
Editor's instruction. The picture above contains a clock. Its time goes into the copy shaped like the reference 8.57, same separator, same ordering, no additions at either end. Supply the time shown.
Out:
6.18
